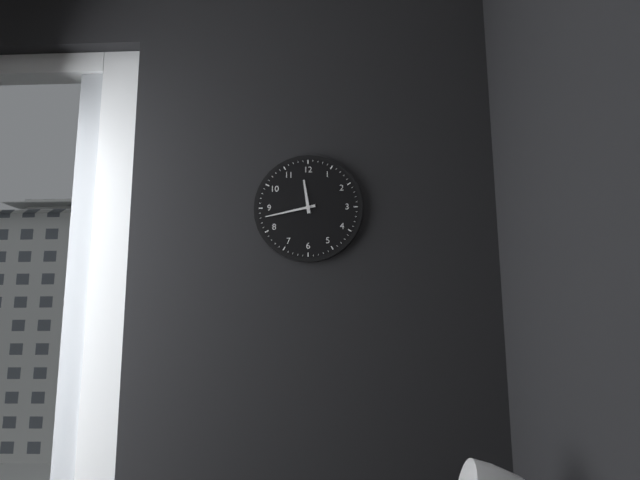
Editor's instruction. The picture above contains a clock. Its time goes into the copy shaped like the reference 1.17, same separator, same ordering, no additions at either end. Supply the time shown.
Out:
11.43
